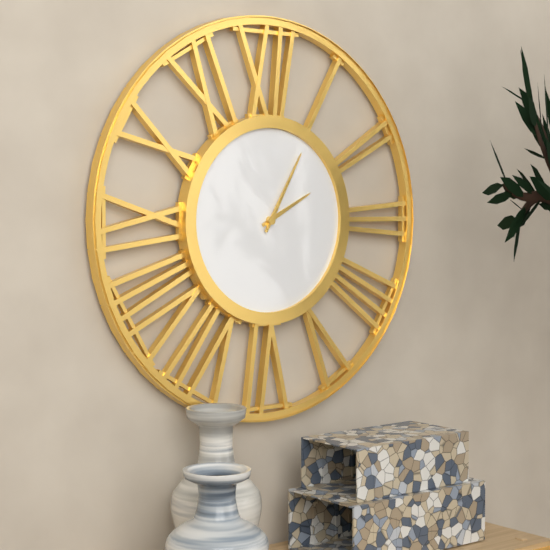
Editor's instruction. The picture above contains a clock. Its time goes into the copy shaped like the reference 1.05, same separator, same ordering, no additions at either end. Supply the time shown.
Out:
2.05
